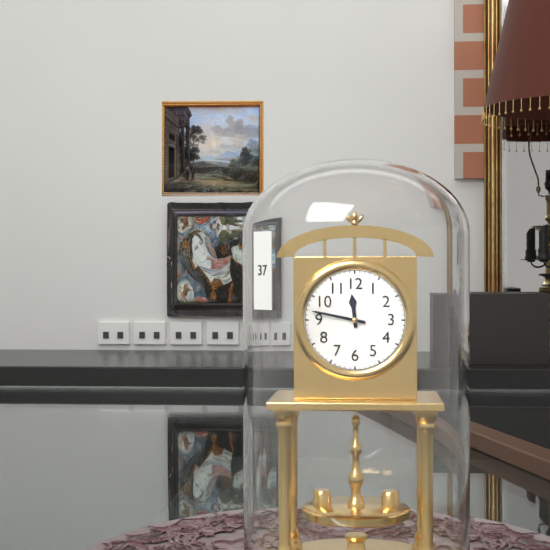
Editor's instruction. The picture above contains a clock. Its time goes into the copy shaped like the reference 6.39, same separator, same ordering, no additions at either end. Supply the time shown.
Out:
11.47
